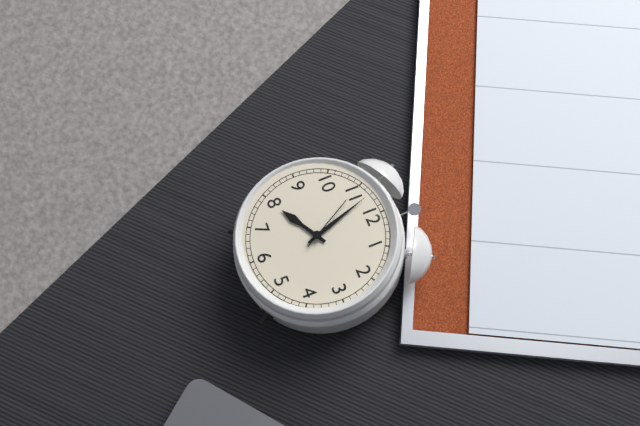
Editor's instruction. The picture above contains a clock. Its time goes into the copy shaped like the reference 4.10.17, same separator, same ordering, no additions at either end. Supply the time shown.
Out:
7.57.55
